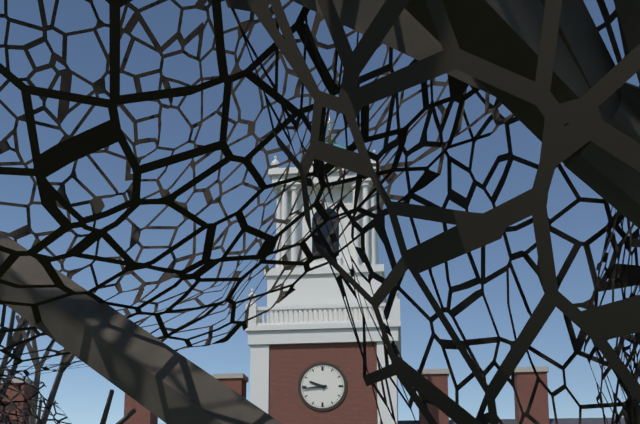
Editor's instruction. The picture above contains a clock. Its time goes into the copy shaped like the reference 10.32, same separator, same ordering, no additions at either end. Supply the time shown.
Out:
9.44
